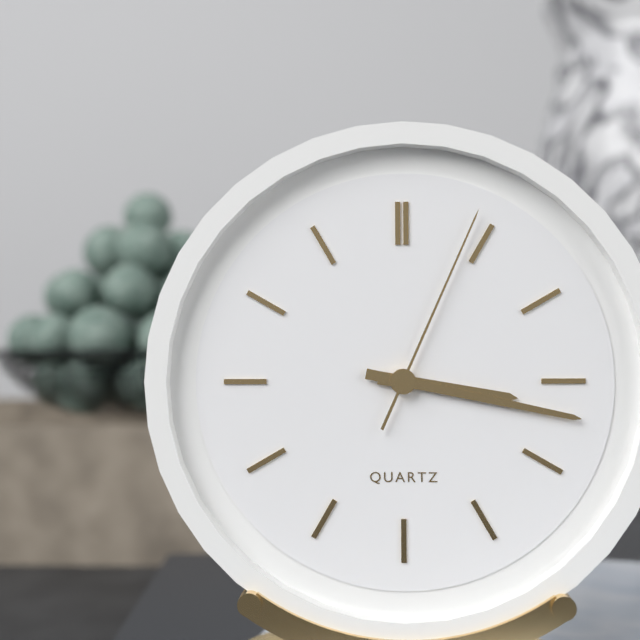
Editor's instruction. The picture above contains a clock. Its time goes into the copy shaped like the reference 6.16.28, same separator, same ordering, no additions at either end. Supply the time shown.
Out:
3.17.04
